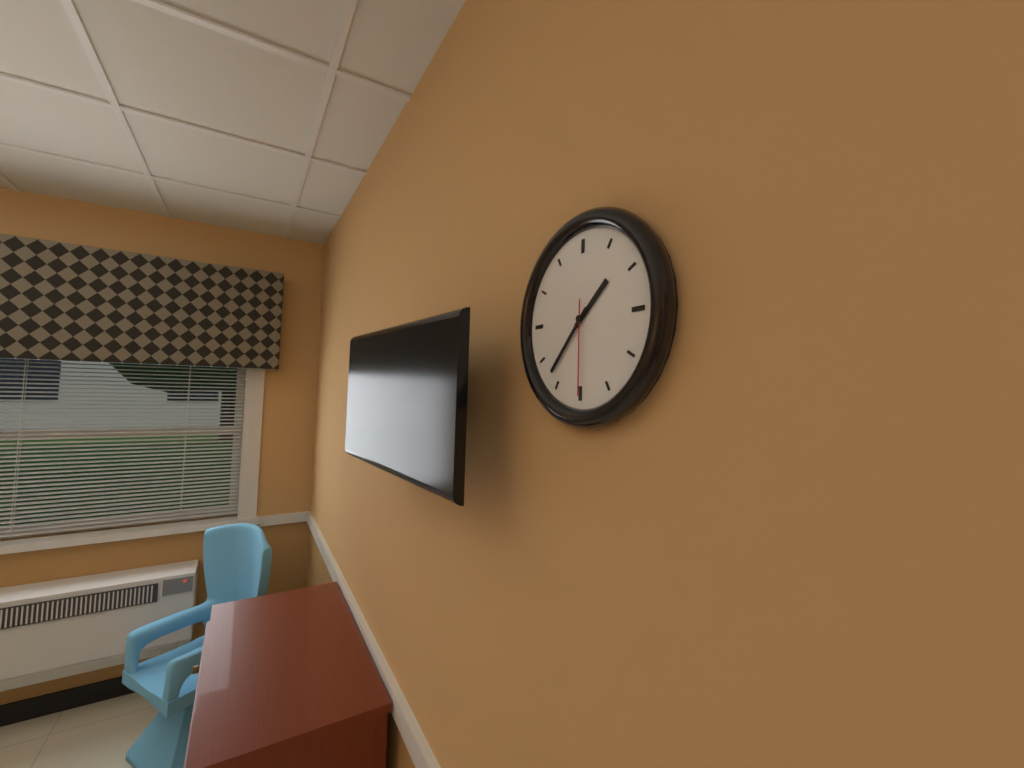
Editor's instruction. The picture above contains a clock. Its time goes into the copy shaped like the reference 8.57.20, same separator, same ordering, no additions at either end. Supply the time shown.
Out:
1.37.30
